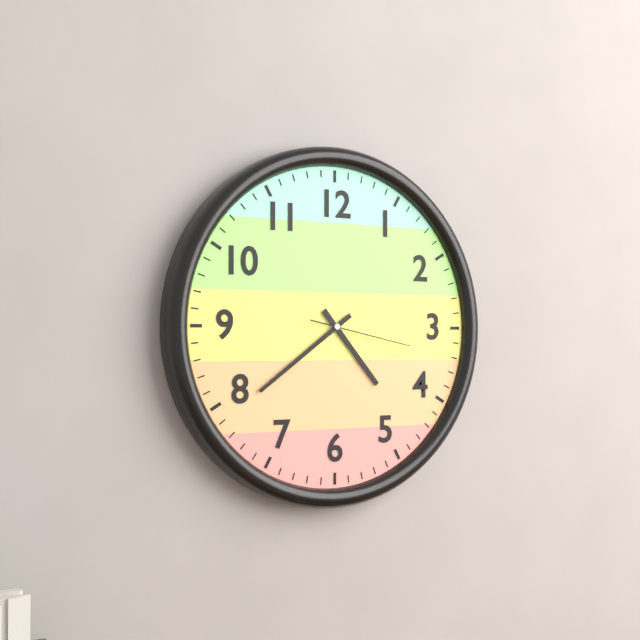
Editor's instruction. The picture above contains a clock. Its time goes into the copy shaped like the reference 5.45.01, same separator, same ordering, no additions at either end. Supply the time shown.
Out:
4.39.17
